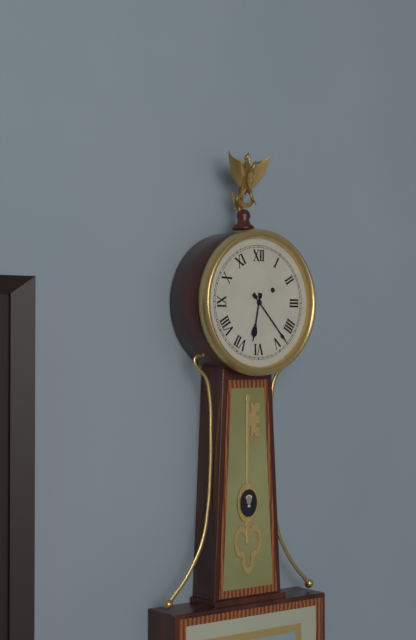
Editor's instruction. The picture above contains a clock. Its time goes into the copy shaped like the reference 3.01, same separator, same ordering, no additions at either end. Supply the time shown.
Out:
6.23
